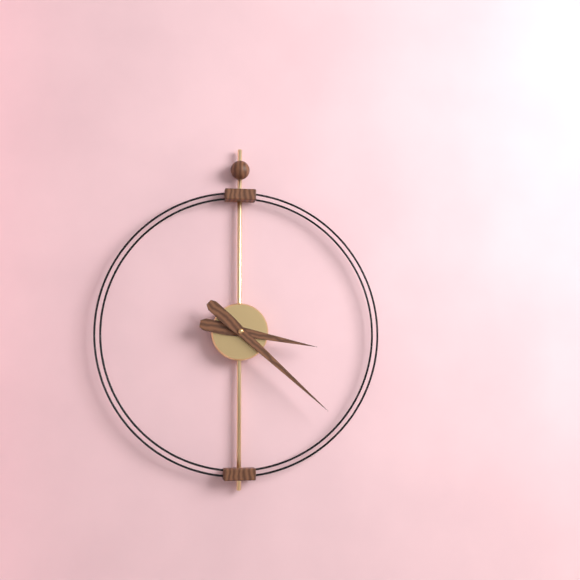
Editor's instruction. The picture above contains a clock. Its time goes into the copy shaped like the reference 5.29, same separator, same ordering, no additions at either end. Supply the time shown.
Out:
3.22
